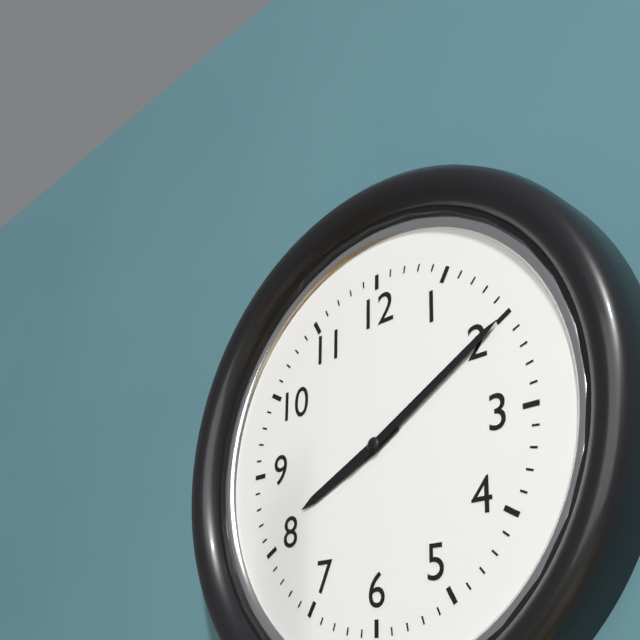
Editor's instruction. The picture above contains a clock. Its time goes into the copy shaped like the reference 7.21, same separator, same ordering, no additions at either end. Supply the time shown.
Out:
8.10
